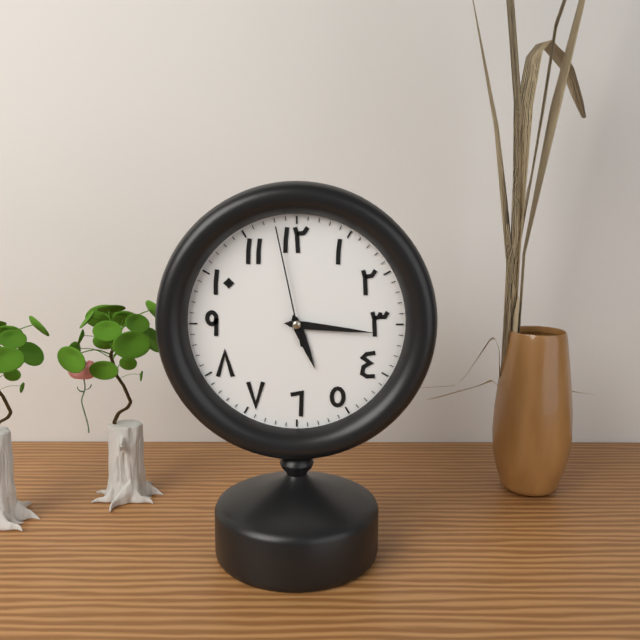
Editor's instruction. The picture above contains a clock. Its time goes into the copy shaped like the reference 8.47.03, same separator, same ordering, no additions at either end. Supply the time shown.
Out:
5.16.58
